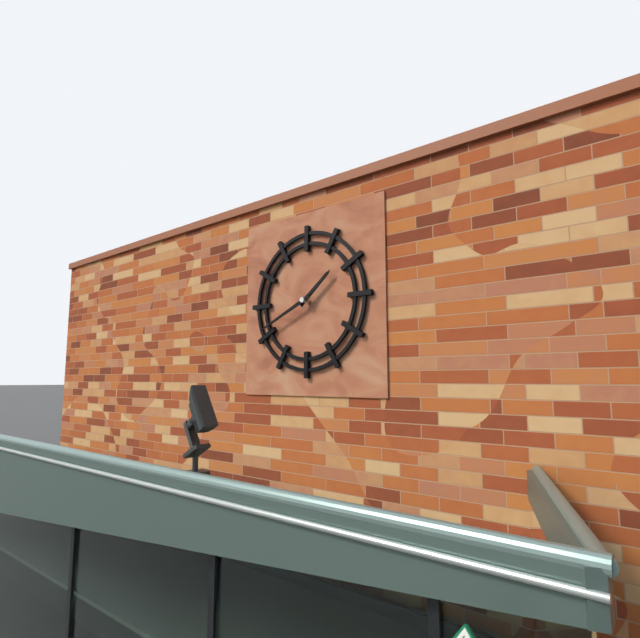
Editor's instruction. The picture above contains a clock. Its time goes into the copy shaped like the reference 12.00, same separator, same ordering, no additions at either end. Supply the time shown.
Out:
1.41
